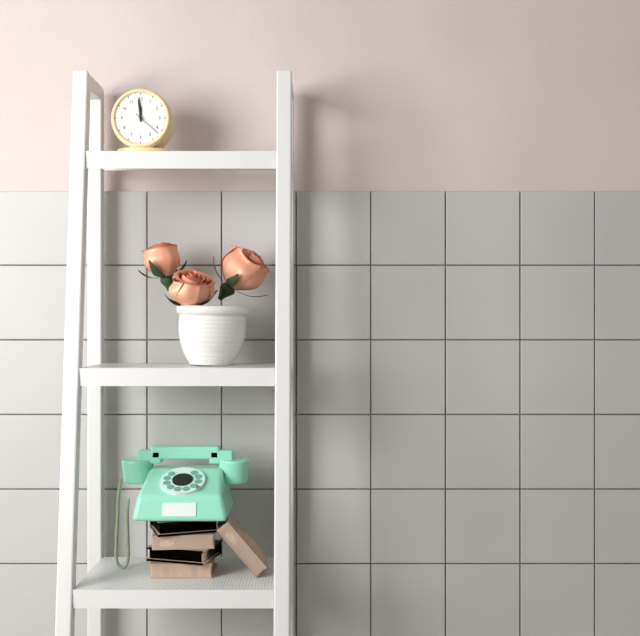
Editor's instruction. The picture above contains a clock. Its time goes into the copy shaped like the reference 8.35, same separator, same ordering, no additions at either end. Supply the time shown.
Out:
11.59
